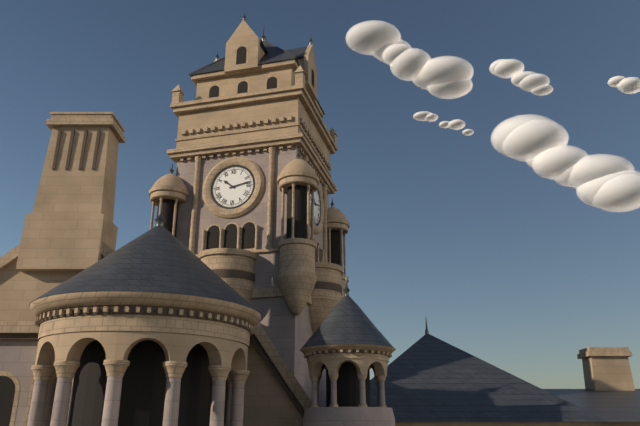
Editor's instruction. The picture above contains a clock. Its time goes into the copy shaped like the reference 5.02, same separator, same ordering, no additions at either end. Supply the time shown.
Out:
10.13
